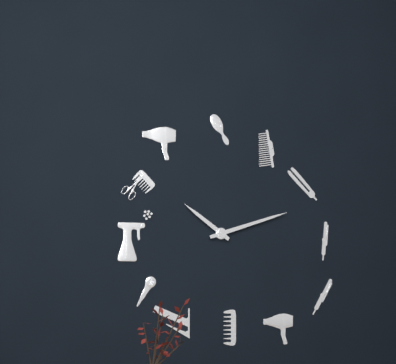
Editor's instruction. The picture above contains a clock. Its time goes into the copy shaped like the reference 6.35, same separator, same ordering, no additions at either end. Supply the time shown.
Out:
10.12
